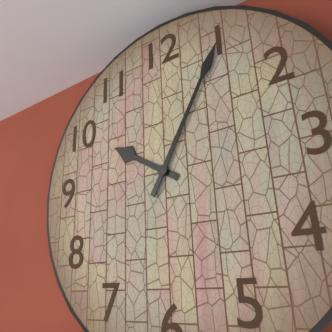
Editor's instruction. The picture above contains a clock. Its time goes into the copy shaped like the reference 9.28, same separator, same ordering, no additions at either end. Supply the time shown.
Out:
10.05
